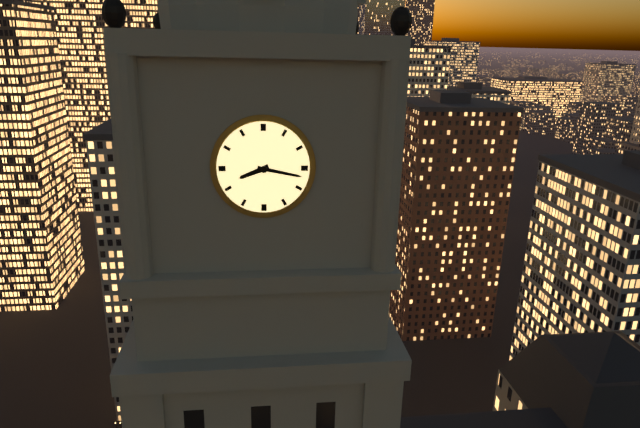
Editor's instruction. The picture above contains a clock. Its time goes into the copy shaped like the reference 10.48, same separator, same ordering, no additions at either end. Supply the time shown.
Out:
8.17
